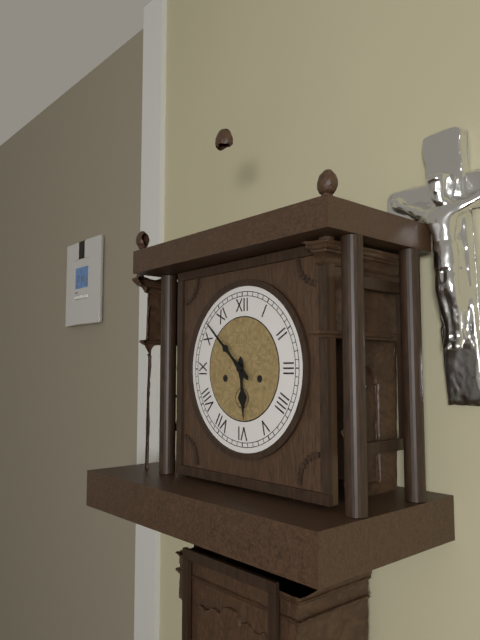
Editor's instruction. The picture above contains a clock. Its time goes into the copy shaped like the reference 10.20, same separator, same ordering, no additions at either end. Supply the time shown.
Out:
5.52
